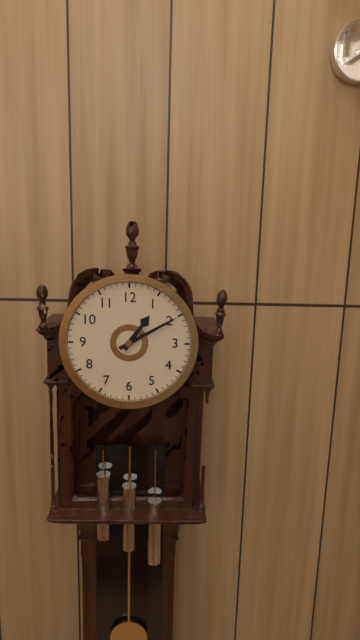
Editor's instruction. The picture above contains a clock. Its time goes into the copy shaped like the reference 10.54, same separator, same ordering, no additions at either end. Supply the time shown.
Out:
1.10
